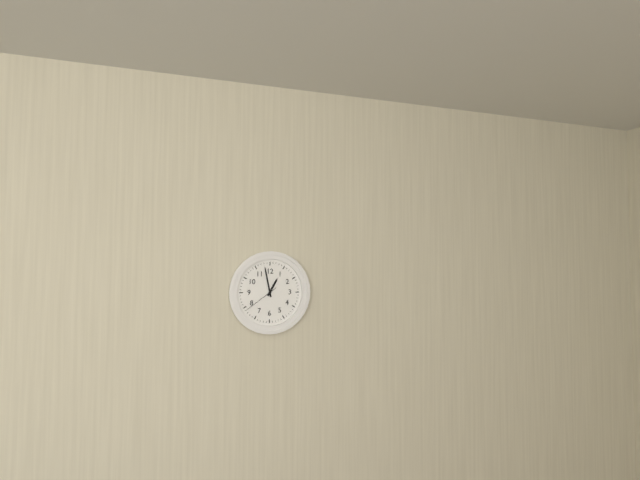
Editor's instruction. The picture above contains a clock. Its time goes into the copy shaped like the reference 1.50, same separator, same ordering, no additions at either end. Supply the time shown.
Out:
12.58
